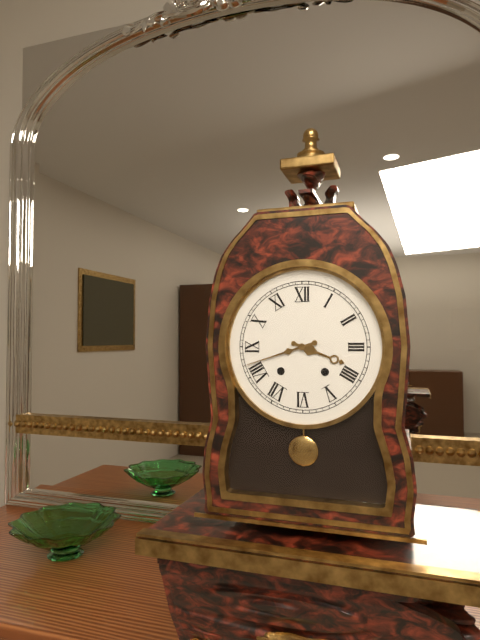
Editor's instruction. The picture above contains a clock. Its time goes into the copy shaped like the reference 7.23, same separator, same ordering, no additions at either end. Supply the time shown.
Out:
3.42
